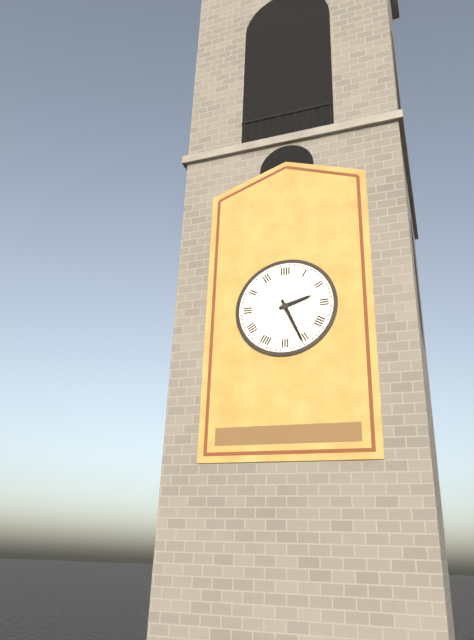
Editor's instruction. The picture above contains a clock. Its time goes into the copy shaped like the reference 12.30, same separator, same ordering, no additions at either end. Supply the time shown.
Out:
2.26
